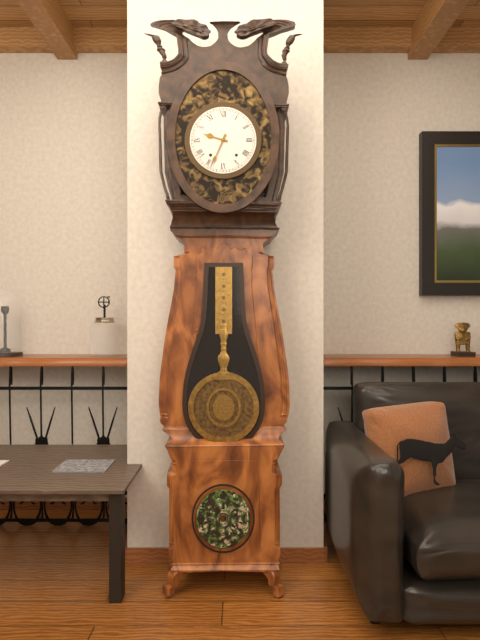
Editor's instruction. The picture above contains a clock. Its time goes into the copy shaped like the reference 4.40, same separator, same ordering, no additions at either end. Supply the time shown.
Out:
9.34
